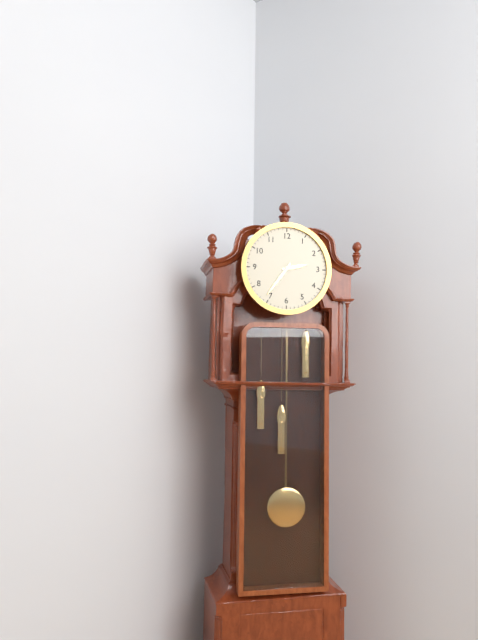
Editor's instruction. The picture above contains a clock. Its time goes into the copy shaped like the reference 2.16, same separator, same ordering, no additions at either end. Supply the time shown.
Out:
2.36
